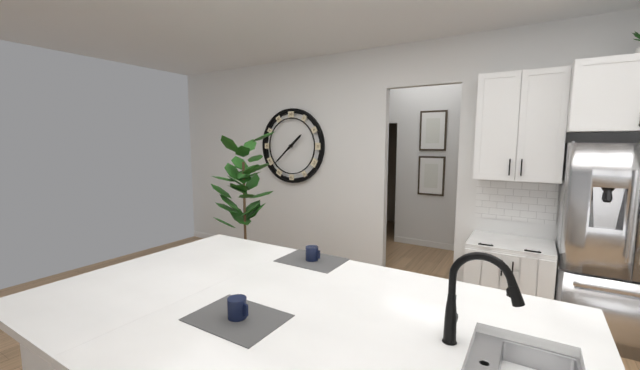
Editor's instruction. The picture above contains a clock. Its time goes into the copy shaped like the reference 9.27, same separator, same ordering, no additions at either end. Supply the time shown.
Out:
1.38
